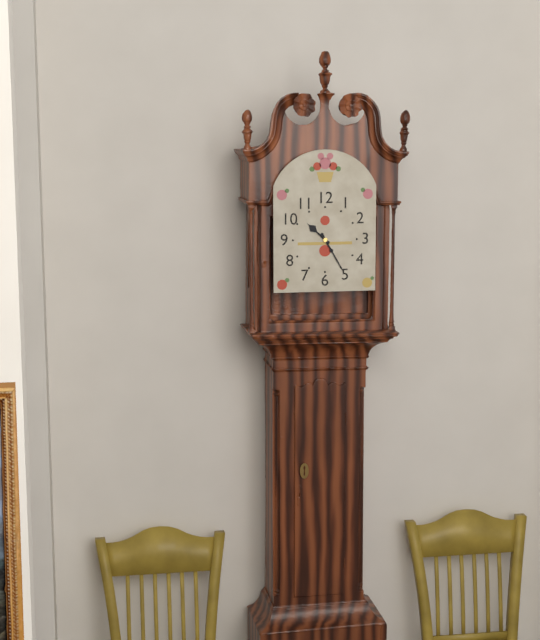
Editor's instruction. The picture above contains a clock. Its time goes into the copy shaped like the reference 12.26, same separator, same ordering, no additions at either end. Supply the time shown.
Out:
10.25
